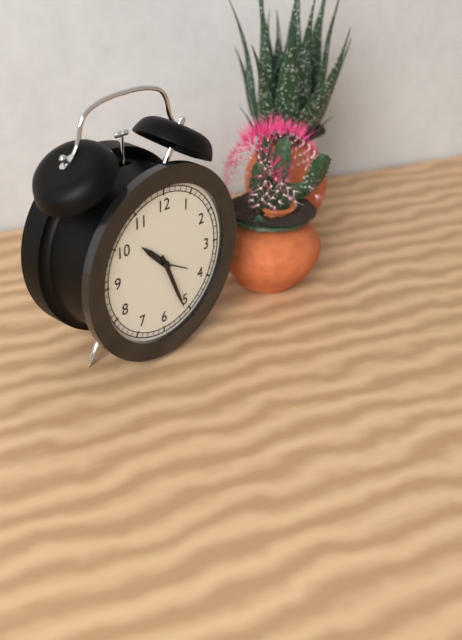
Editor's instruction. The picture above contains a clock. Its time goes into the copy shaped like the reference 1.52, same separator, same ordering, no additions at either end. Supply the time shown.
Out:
10.26
